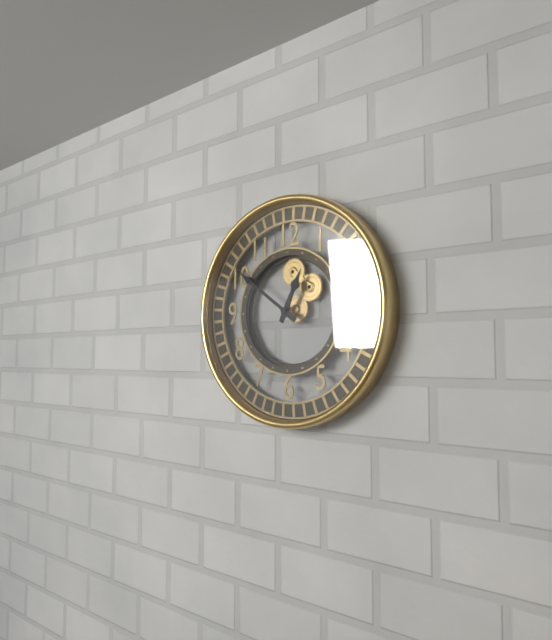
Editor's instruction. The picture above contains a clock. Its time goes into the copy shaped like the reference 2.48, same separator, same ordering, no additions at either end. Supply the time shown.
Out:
12.51
